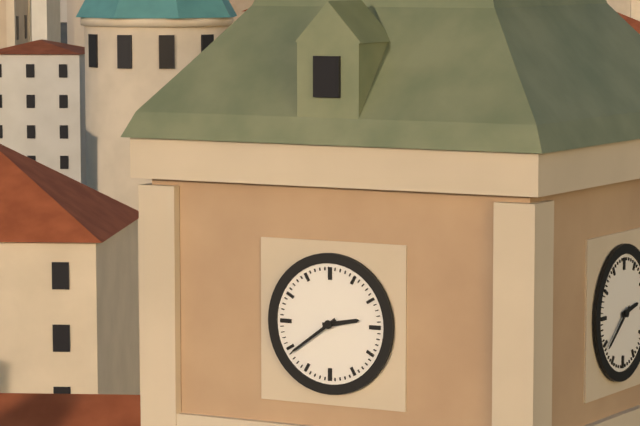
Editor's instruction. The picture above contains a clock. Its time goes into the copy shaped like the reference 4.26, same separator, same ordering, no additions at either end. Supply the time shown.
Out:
2.39
